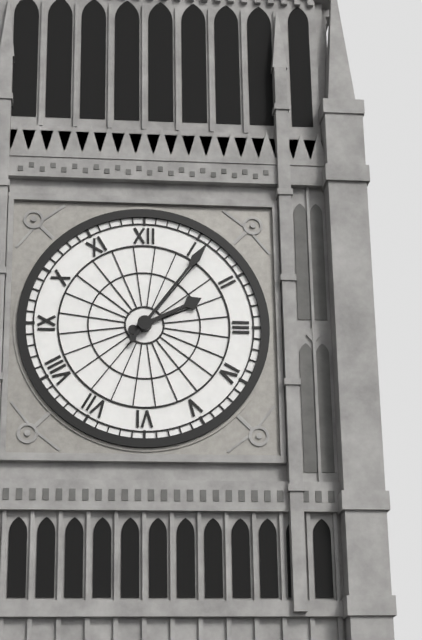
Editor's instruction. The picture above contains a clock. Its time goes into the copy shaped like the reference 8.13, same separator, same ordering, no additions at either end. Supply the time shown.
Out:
2.06
